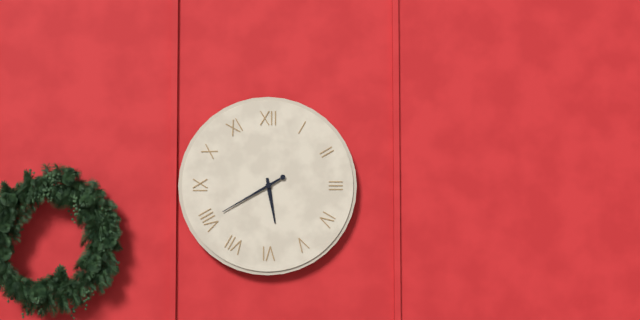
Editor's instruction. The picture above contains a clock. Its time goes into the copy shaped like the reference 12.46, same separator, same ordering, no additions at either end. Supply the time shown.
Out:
5.40
